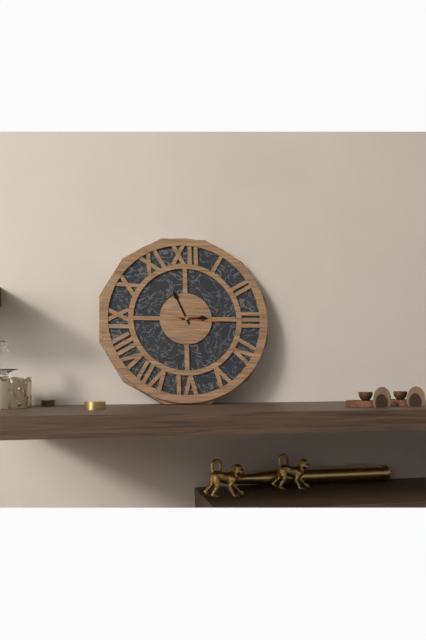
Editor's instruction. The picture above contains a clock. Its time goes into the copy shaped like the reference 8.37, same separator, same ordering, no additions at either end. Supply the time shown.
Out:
2.56
